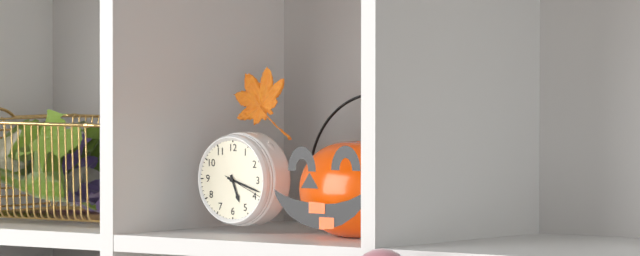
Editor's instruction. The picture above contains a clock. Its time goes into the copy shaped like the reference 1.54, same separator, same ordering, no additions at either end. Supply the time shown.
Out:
5.18
